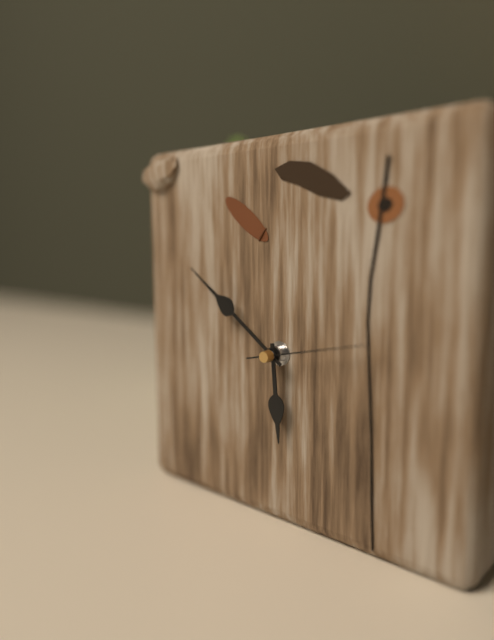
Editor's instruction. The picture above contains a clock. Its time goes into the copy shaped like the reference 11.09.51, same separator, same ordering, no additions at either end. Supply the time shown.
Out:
5.51.13
